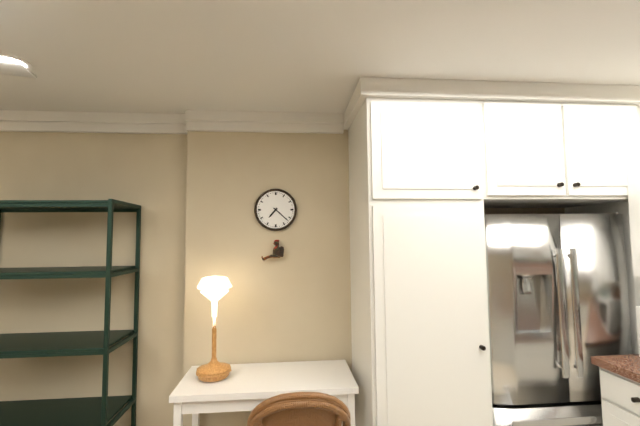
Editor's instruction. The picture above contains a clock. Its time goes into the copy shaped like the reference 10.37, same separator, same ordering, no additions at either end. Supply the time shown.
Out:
7.22
